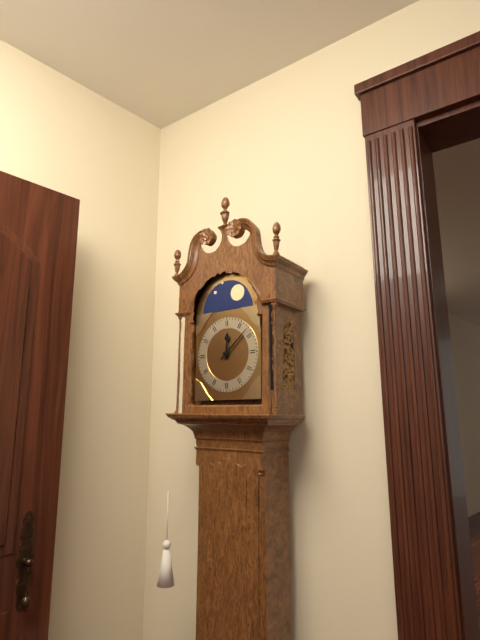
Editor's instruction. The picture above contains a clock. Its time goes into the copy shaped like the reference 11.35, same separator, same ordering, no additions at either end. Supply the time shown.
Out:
12.08
